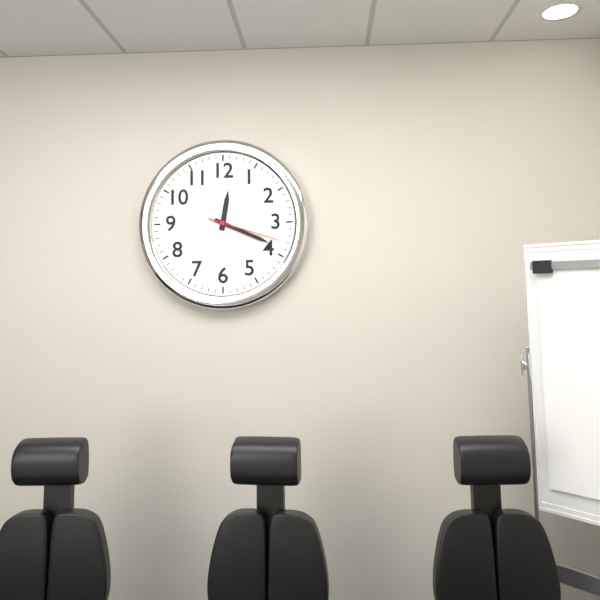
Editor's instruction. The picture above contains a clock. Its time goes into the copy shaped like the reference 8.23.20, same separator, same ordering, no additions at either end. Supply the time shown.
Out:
12.19.18
